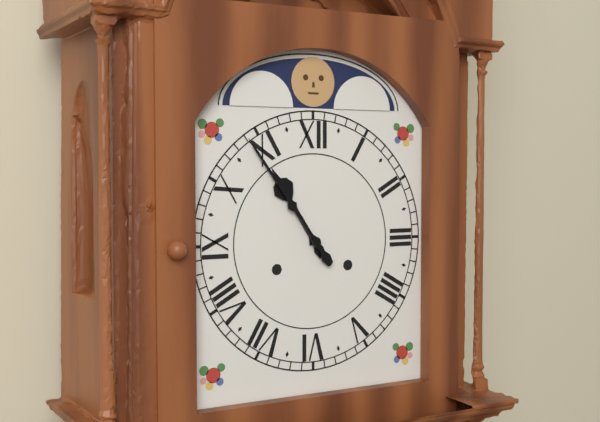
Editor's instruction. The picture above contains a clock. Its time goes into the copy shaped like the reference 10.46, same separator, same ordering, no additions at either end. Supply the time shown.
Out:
10.54
